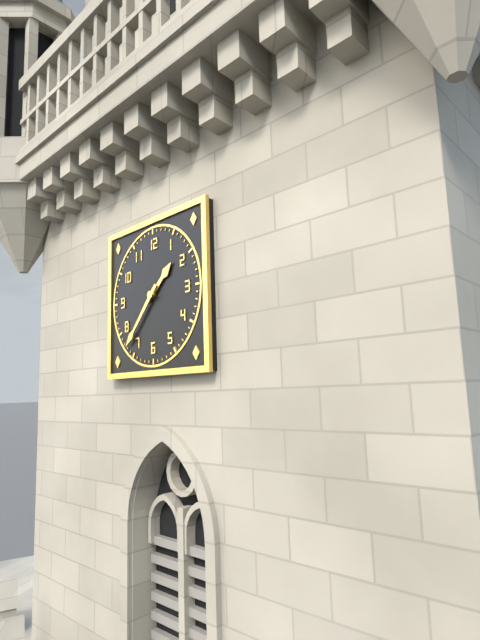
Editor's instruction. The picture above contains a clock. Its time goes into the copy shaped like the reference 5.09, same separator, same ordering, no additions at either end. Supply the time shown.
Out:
1.37
